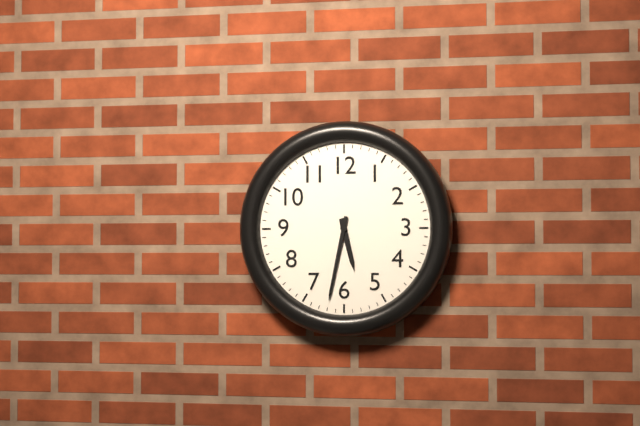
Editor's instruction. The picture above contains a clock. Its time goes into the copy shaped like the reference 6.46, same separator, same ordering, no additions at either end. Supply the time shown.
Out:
5.32
